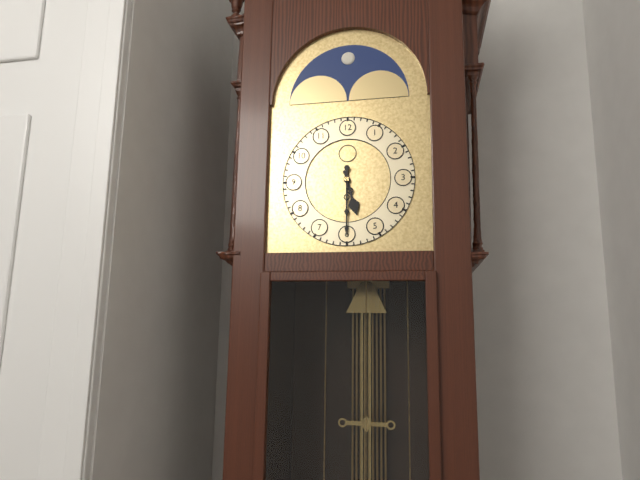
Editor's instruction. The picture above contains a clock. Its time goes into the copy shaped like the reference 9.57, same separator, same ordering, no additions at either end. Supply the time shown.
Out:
5.30
